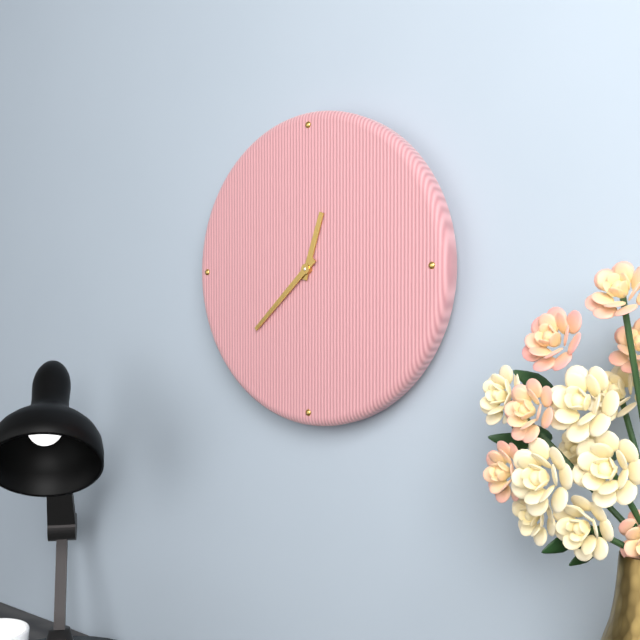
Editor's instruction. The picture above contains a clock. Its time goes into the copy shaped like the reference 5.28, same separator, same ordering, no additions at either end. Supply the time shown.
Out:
12.38
